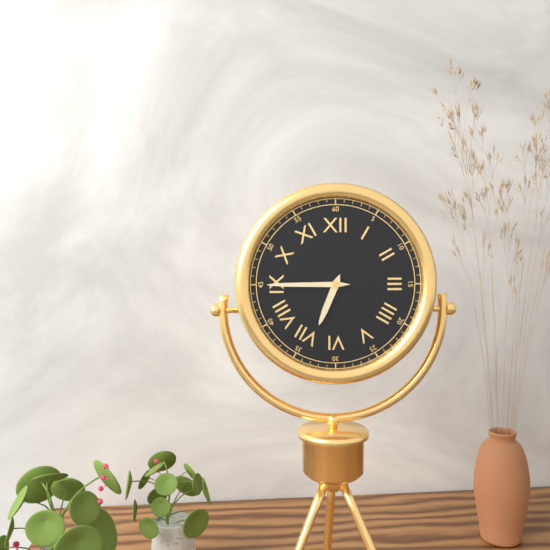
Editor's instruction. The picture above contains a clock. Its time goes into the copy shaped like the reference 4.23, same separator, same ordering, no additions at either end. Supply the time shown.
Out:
6.45
